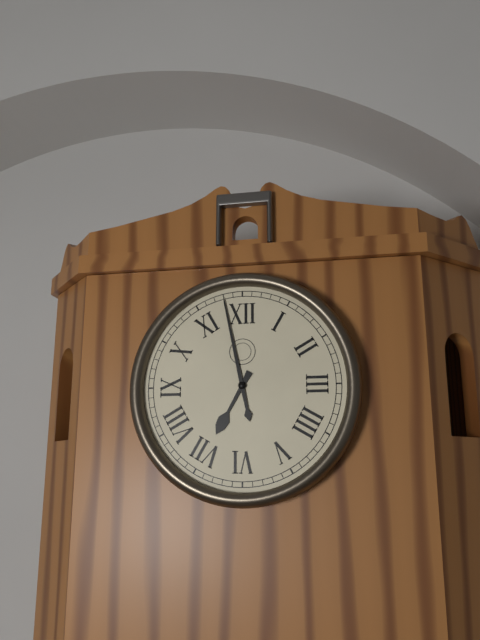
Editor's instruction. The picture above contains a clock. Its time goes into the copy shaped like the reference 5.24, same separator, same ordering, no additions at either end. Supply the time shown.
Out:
6.58
